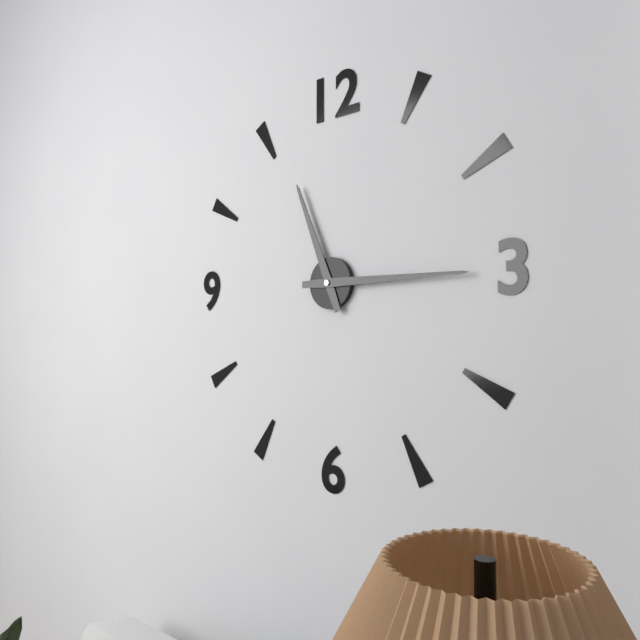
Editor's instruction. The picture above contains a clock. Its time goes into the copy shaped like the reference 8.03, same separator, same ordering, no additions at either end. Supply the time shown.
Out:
11.15
